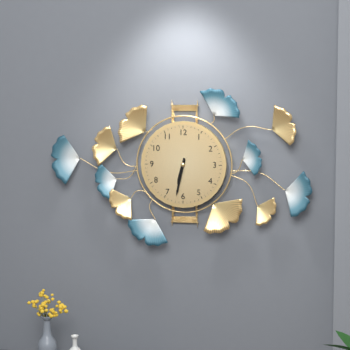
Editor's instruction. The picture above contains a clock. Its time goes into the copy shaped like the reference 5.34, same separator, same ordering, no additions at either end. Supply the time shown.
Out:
6.32
